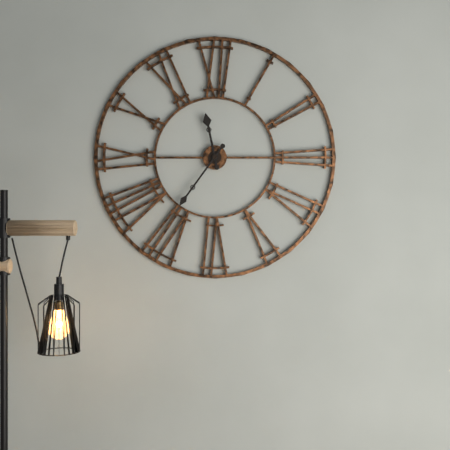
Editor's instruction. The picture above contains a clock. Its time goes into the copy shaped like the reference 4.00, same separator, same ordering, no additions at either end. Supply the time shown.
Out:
11.36
